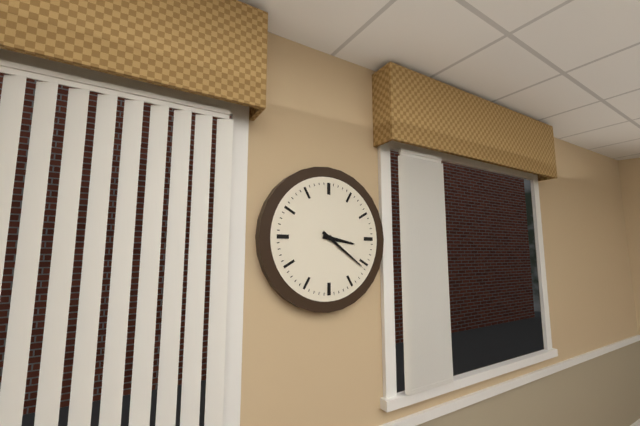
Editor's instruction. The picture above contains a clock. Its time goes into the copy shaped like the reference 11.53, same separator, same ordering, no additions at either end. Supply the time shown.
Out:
3.21
